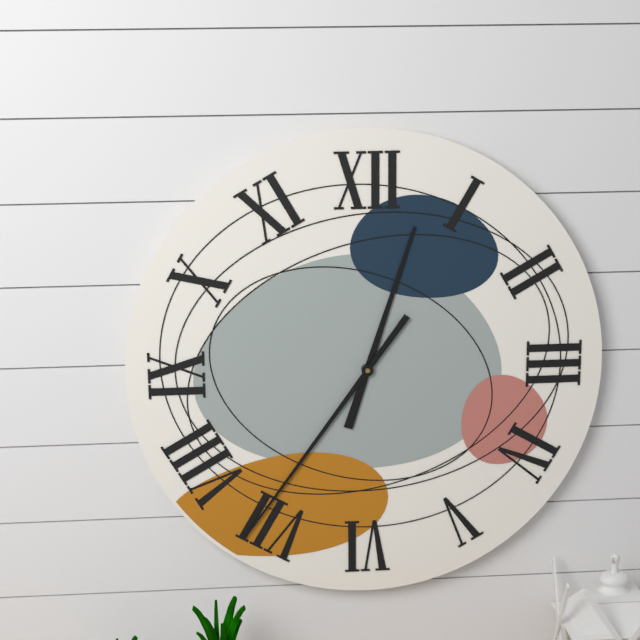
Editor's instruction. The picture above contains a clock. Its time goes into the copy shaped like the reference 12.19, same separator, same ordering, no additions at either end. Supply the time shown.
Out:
12.36
